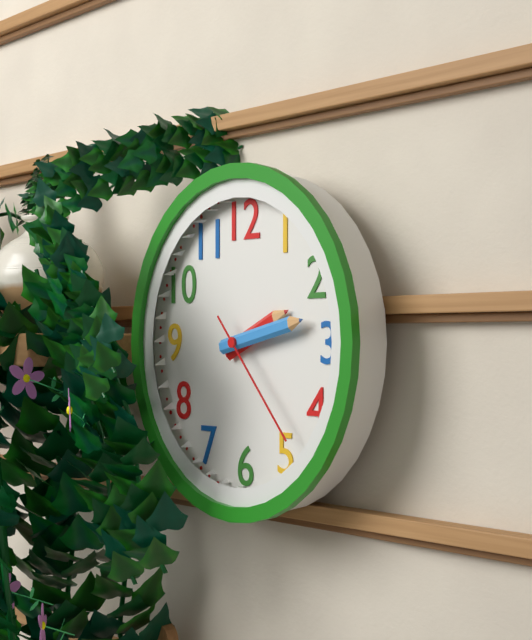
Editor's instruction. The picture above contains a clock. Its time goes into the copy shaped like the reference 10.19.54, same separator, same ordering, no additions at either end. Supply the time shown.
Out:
2.13.23
